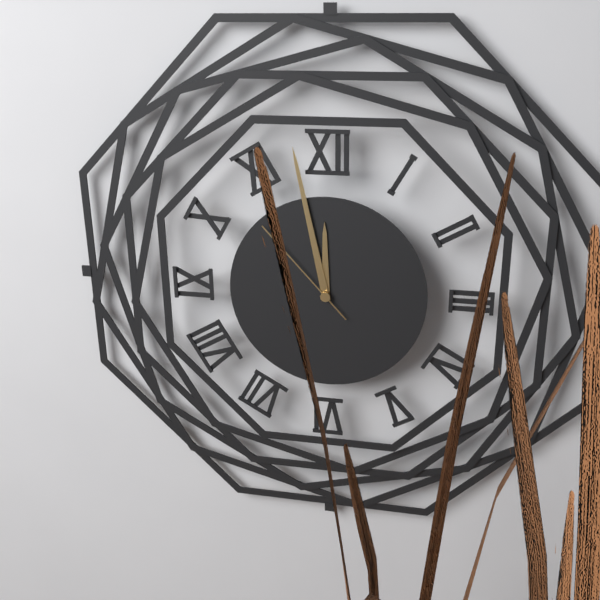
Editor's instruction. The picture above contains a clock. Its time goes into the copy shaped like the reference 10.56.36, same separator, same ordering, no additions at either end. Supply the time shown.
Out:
11.58.53
